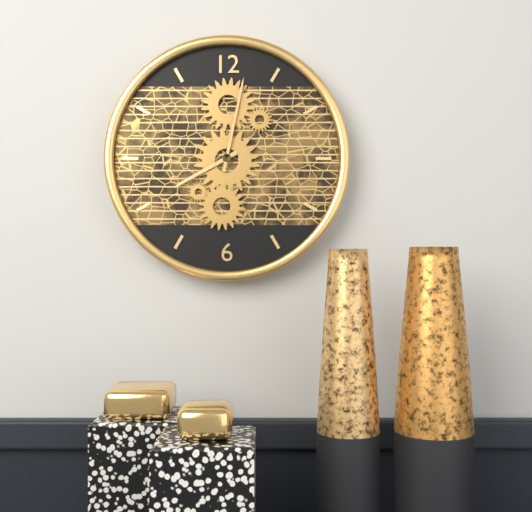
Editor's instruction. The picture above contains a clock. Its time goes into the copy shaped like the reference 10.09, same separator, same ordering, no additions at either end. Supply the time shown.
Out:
8.02
